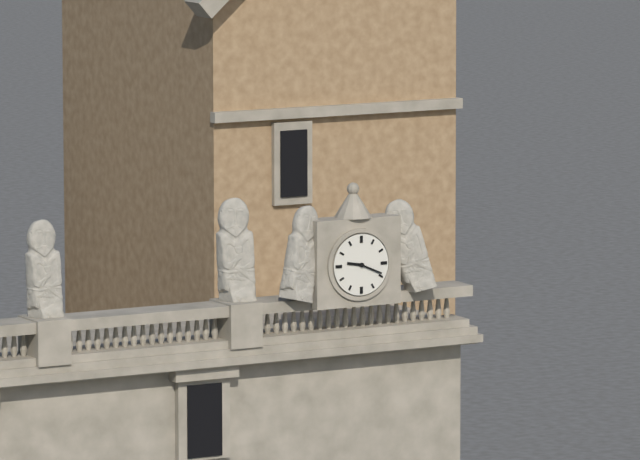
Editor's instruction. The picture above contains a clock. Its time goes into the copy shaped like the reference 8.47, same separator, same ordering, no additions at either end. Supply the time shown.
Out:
9.19
